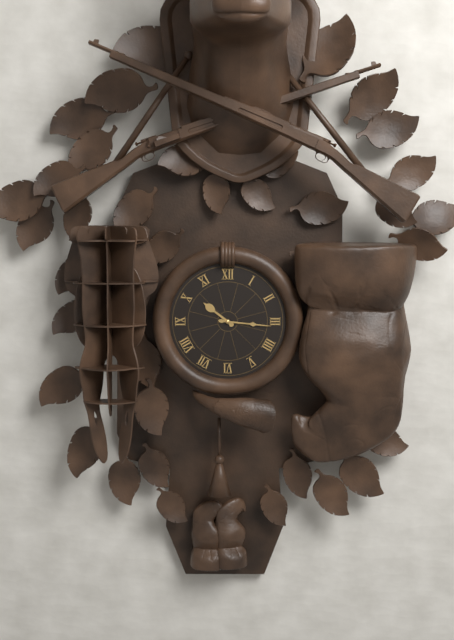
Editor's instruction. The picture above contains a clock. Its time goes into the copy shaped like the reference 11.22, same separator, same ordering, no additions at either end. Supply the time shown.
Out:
10.16
